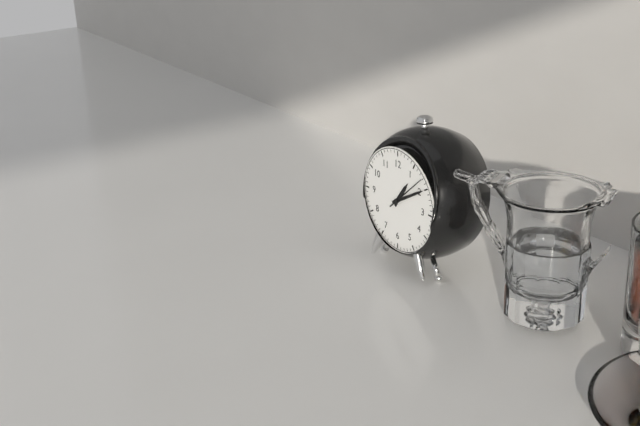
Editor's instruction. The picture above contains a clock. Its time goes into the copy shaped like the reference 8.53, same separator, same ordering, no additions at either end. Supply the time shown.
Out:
1.10
